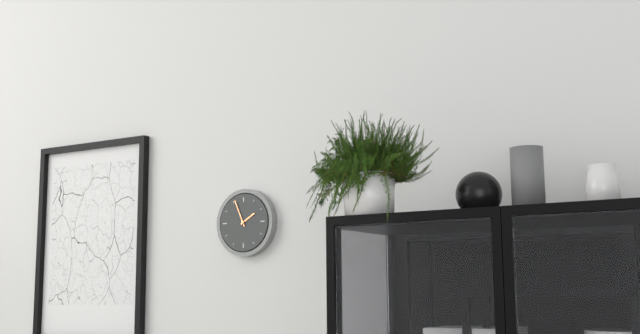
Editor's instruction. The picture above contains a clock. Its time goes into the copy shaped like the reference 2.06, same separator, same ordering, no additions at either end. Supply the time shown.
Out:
1.56
